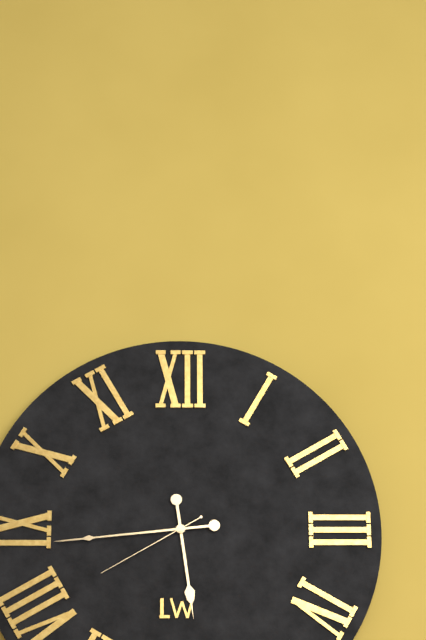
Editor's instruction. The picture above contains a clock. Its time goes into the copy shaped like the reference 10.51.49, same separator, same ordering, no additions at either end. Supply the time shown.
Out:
5.44.40
